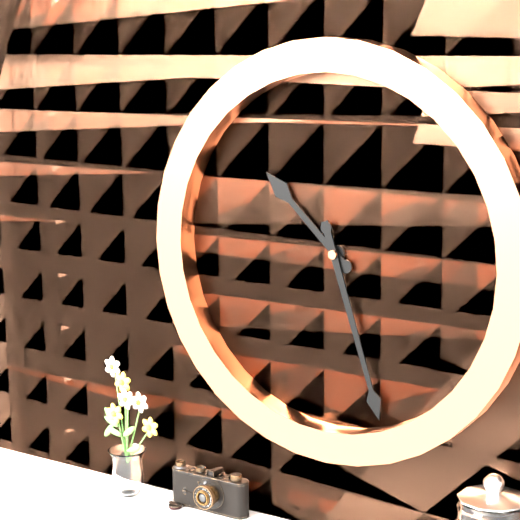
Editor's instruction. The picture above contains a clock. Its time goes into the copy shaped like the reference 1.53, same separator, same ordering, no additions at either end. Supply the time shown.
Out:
10.27
